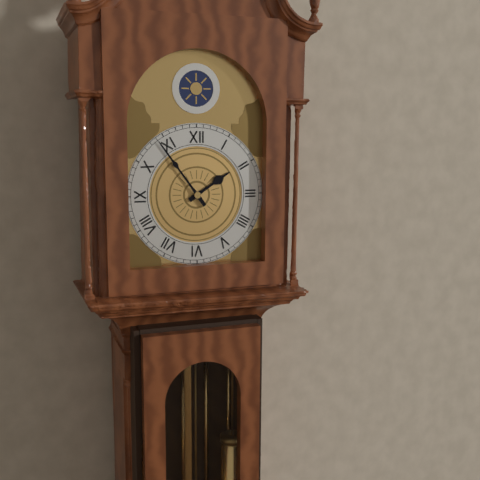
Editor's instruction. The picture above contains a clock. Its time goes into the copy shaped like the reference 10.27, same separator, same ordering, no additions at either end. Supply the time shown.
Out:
1.54
